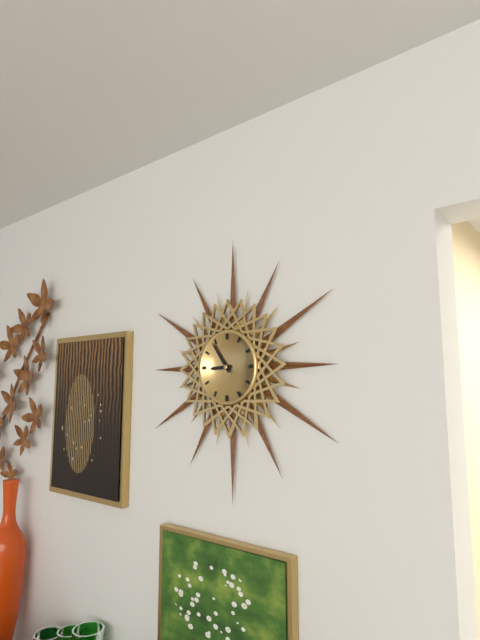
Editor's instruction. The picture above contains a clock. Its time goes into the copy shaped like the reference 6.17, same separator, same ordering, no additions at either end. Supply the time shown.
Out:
8.54
